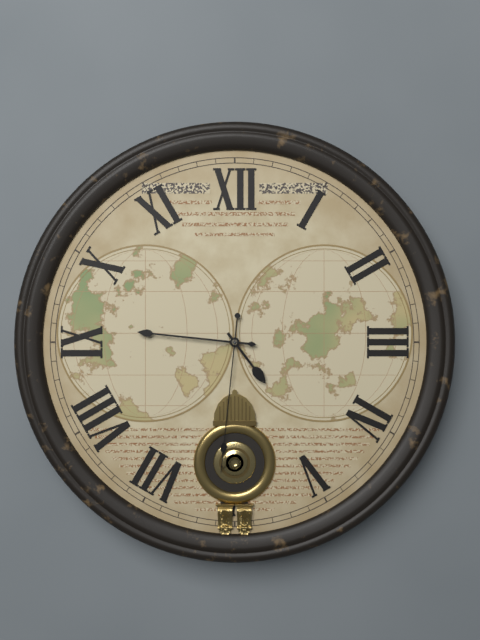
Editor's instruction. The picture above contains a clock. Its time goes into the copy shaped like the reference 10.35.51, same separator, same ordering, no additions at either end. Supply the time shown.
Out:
4.46.31
